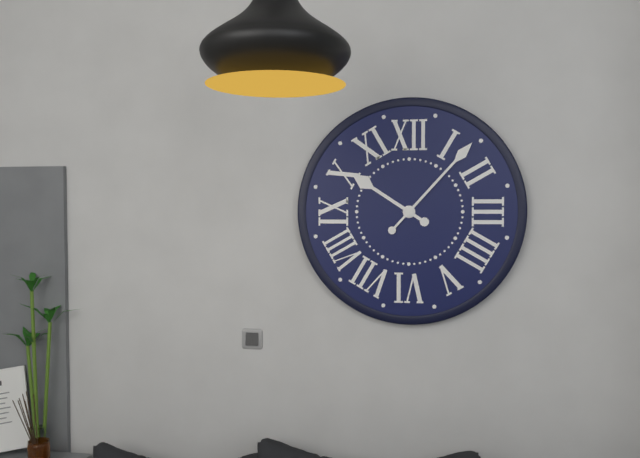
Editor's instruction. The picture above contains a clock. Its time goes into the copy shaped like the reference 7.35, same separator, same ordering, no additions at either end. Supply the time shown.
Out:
10.07
